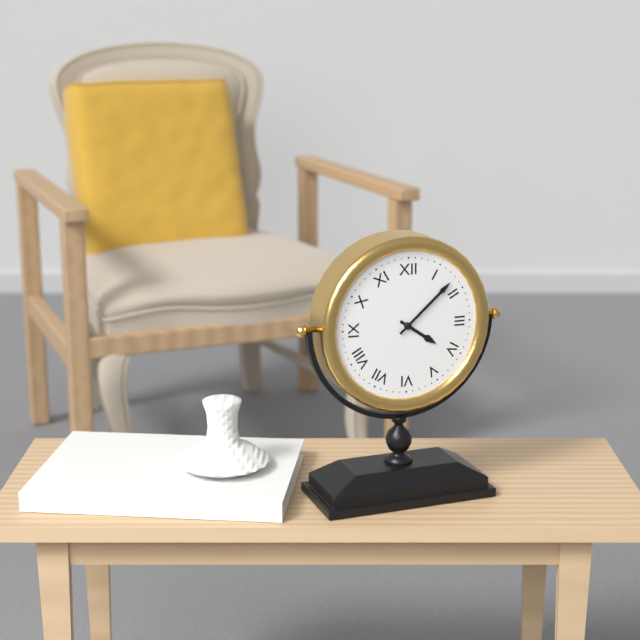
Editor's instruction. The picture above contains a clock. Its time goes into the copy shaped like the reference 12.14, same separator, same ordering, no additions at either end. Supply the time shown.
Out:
4.08
